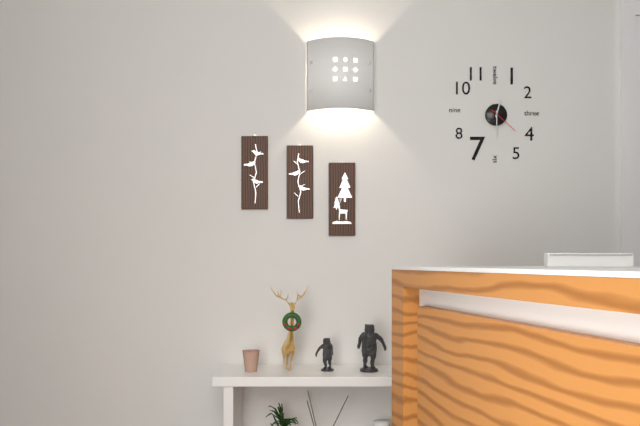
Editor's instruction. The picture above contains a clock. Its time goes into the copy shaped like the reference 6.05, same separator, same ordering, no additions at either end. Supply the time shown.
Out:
12.30
